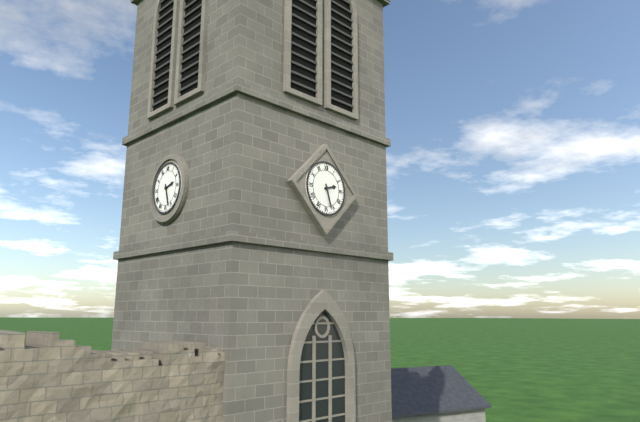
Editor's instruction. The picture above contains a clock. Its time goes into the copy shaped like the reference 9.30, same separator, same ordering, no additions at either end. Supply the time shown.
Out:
2.27
